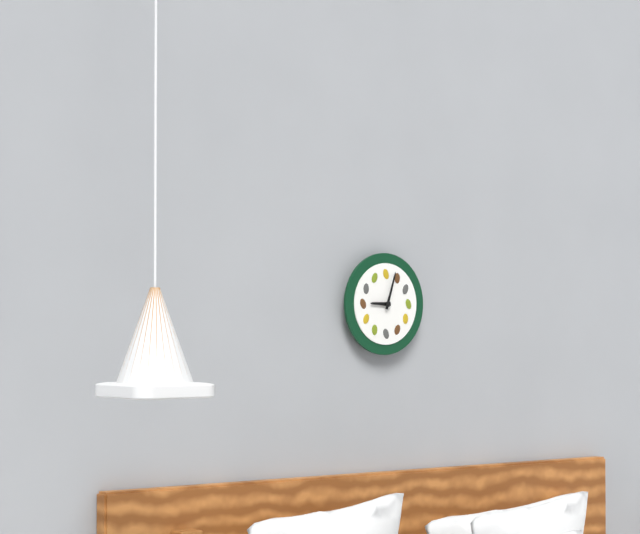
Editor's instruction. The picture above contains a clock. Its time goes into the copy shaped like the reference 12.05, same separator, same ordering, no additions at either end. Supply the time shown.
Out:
9.03
